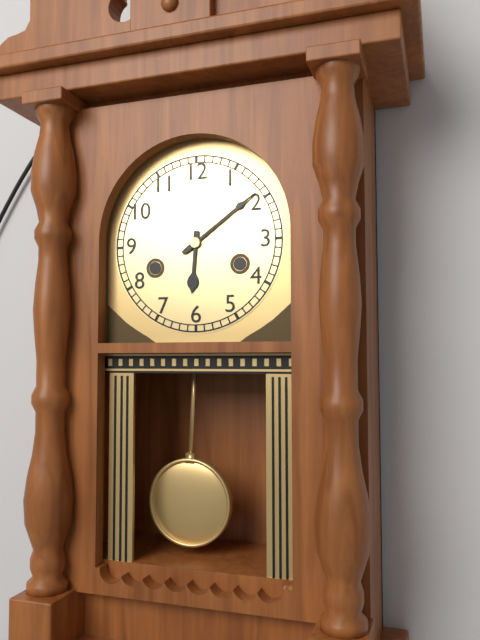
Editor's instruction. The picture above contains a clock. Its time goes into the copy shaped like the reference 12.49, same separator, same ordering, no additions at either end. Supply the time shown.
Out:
6.09
